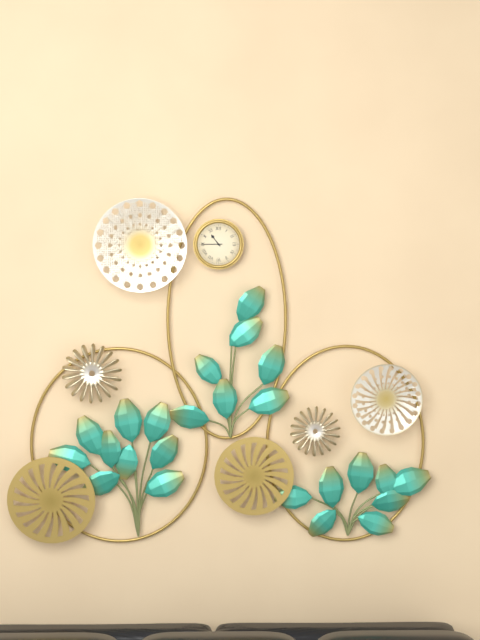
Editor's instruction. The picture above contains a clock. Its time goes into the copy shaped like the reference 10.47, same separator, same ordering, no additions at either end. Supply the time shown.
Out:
10.45
